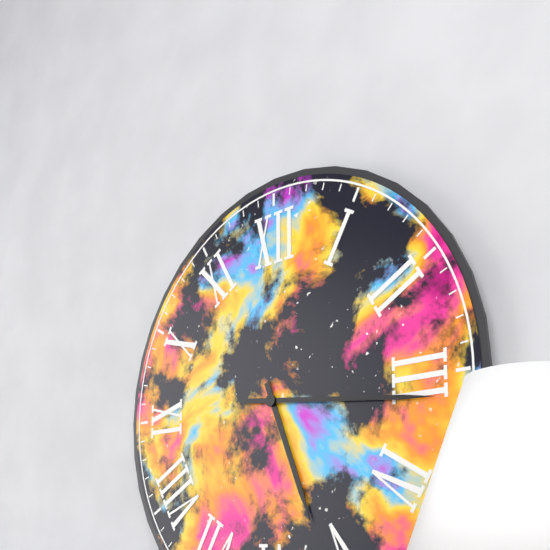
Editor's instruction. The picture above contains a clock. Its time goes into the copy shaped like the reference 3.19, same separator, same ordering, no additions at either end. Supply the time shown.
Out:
5.16
